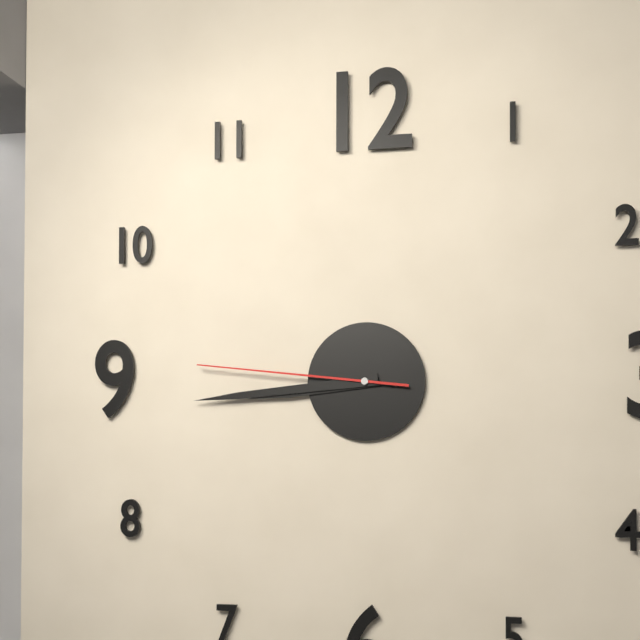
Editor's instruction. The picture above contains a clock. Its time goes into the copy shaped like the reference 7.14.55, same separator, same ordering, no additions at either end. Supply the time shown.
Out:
8.44.46
